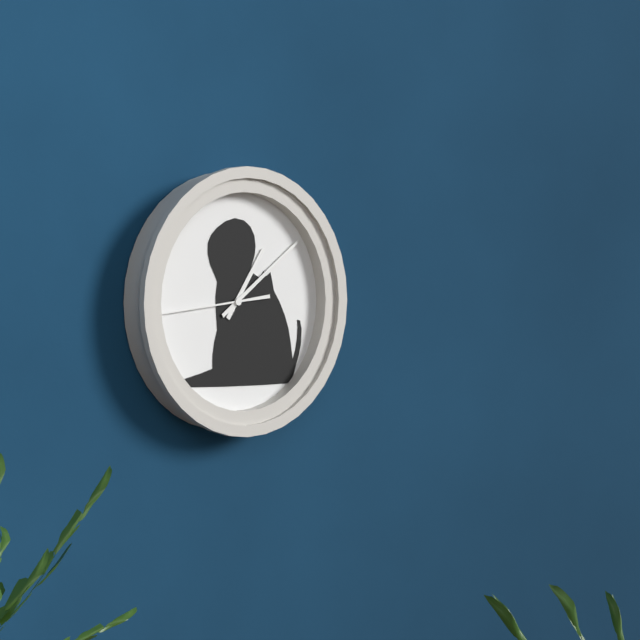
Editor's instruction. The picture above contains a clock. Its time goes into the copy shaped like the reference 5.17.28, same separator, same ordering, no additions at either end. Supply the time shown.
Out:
1.09.44
